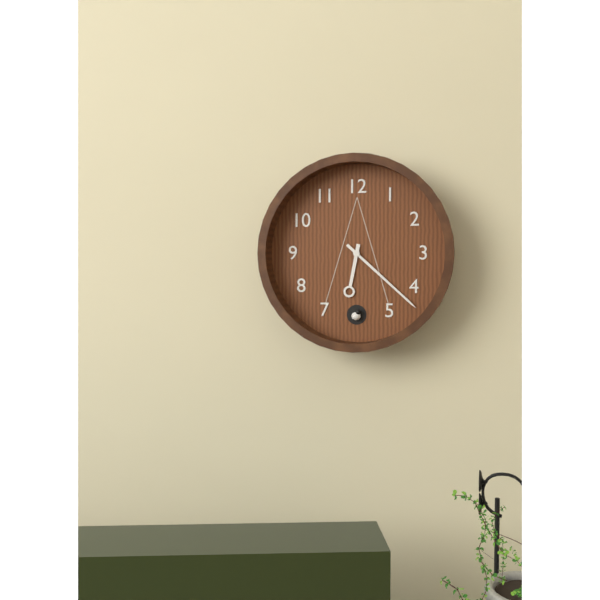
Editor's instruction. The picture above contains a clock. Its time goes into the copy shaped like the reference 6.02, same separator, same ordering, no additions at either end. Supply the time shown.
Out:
6.22
